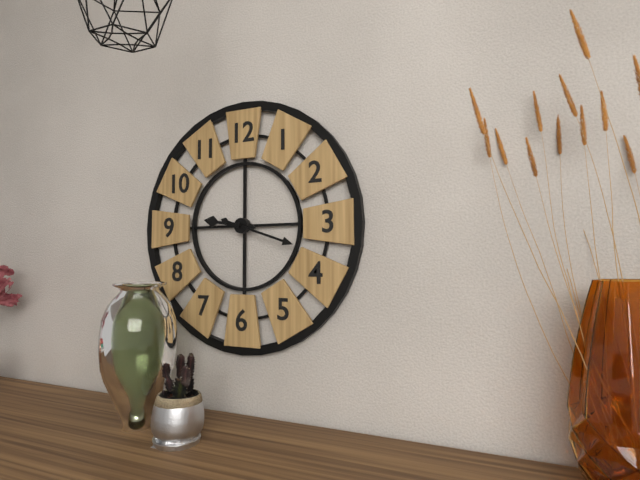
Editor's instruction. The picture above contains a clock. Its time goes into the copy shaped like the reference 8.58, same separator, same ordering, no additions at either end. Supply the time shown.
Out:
9.18
